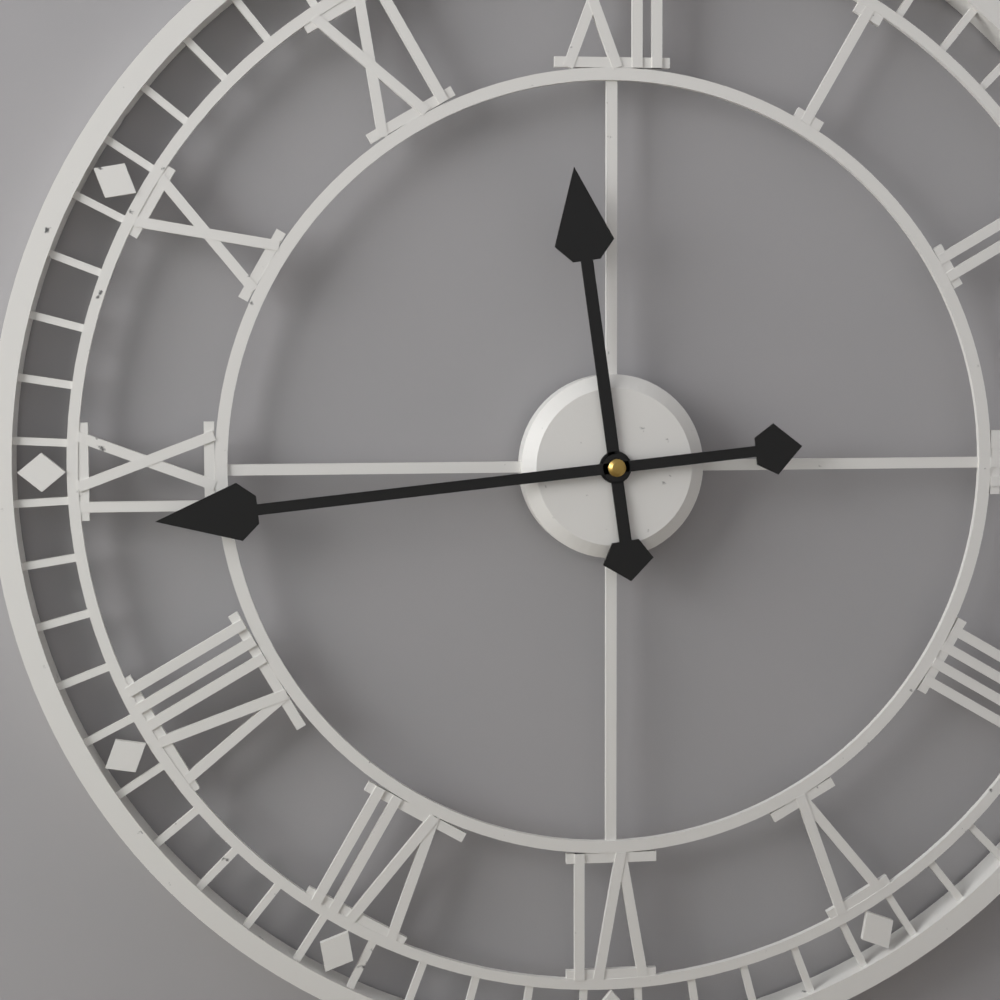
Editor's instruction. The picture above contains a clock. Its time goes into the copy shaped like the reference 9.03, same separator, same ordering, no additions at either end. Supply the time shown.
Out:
11.44
